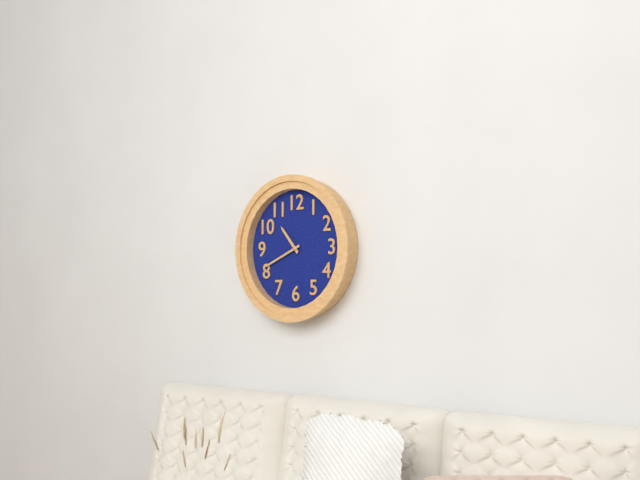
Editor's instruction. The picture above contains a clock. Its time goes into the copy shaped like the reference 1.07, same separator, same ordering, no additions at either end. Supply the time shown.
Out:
10.41
